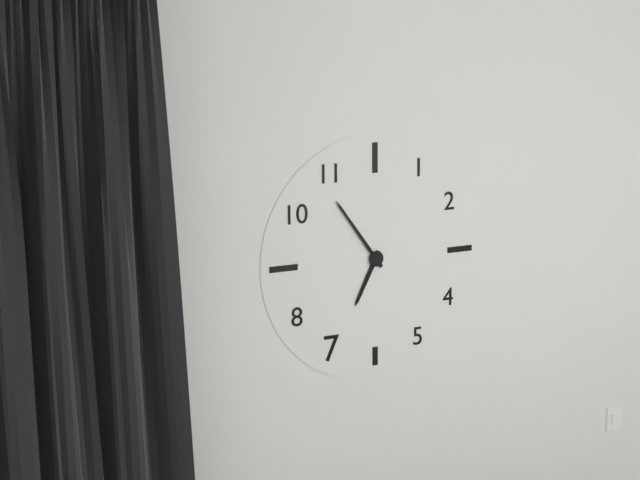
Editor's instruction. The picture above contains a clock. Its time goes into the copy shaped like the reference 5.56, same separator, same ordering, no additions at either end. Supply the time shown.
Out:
6.54
